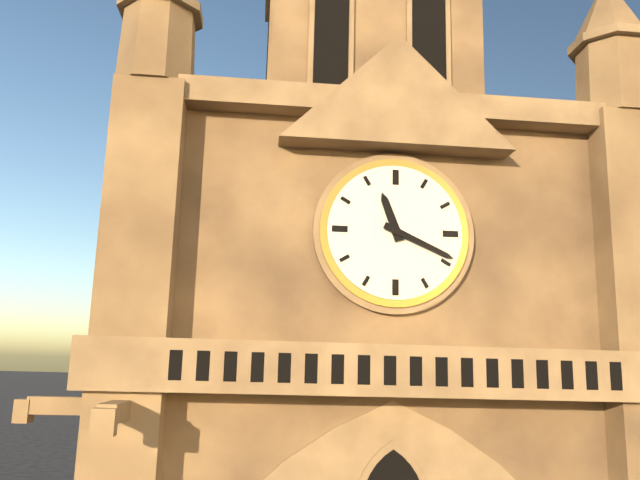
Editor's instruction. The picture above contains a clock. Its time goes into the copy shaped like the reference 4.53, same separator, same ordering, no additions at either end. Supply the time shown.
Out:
11.19
